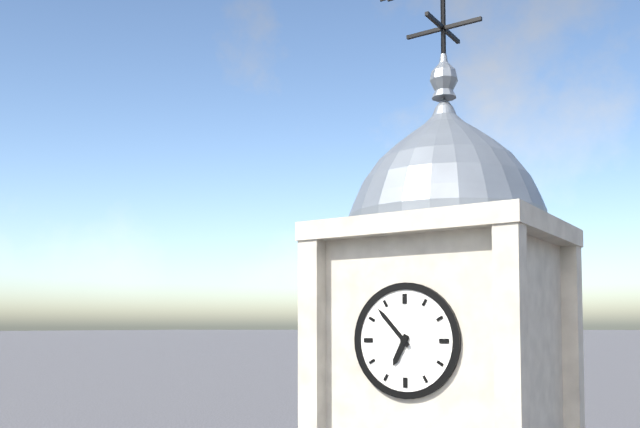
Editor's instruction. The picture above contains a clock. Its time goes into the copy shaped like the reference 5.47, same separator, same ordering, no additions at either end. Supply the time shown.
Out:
6.53
